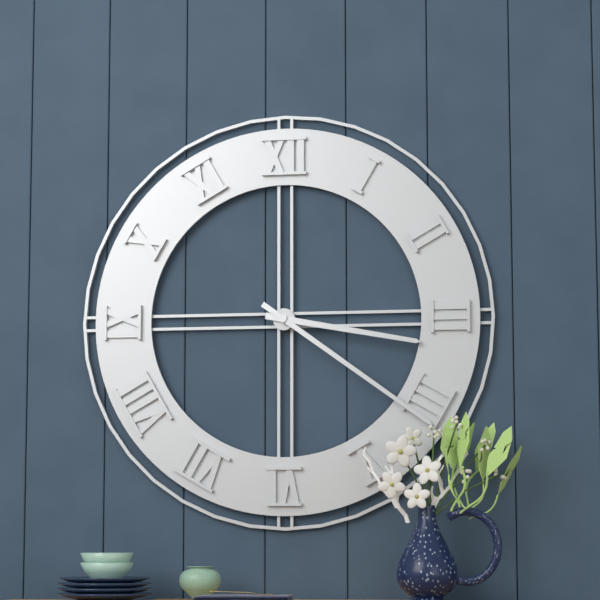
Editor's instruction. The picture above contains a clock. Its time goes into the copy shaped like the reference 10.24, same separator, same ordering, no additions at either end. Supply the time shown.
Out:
3.21
